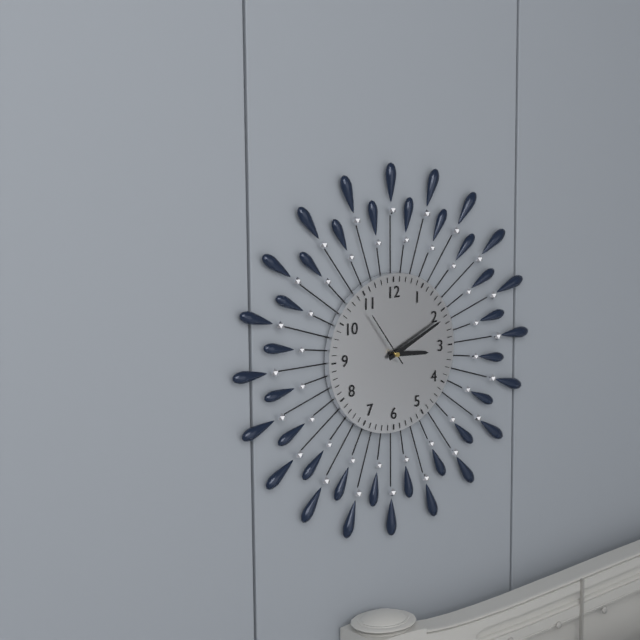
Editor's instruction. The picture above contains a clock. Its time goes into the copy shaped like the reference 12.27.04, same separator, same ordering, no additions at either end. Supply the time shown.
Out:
3.11.54
